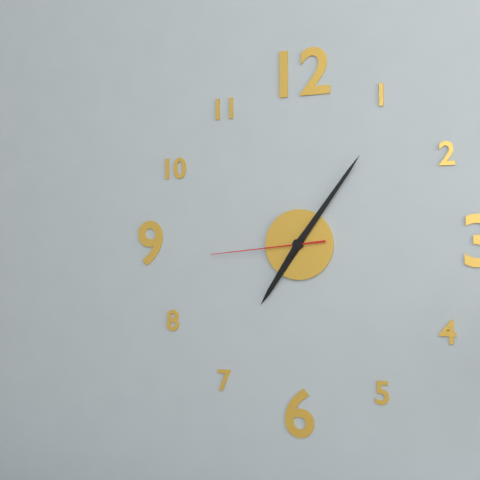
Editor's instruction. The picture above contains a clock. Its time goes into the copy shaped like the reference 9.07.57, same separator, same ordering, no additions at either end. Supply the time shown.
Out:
7.06.44
